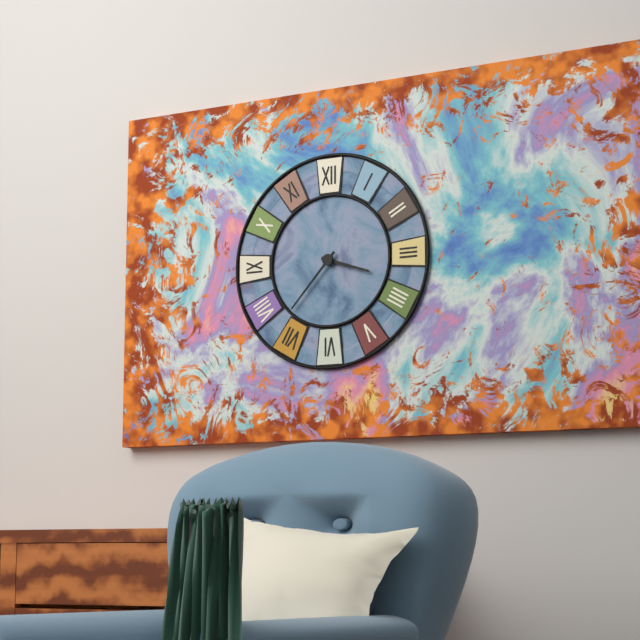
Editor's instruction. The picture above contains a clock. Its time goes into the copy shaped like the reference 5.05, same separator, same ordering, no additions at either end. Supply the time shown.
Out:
3.37
